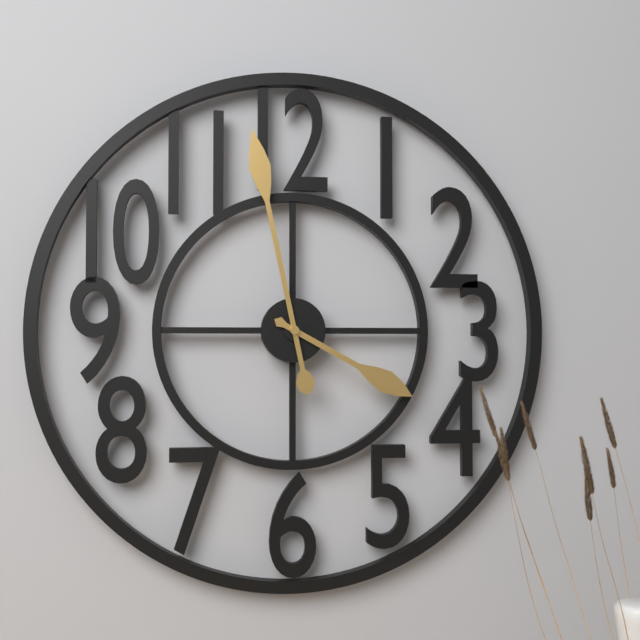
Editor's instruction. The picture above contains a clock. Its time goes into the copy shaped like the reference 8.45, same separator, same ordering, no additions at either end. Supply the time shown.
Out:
3.58
